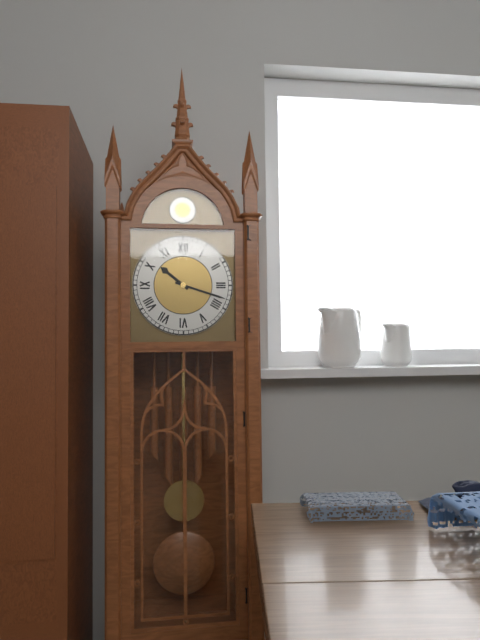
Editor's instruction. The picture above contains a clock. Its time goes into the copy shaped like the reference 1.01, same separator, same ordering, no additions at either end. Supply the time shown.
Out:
10.18
